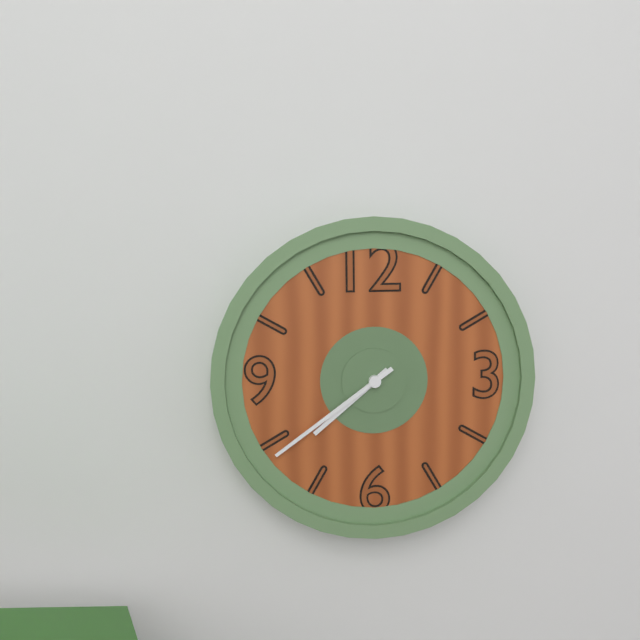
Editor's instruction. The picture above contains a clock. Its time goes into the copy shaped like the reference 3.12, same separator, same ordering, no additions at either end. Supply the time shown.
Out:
7.39
